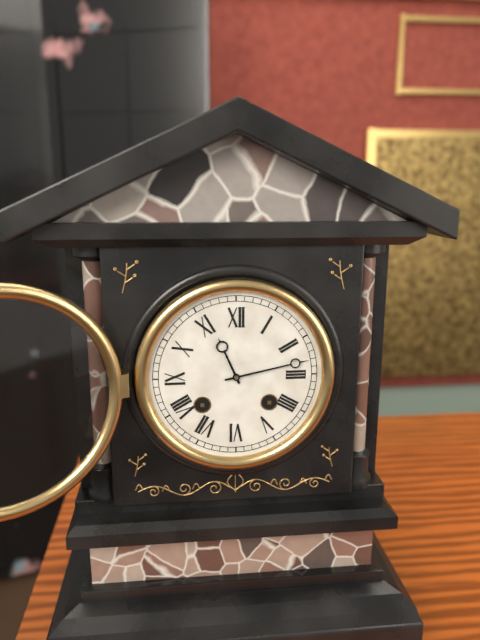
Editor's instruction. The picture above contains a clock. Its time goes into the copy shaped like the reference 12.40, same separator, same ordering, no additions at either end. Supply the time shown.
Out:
11.13
